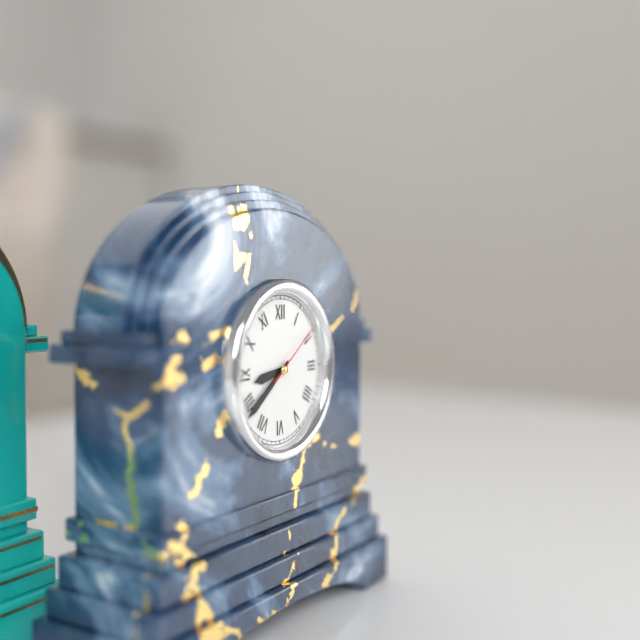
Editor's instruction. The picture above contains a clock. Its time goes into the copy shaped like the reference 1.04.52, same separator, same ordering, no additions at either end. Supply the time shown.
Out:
8.39.09
